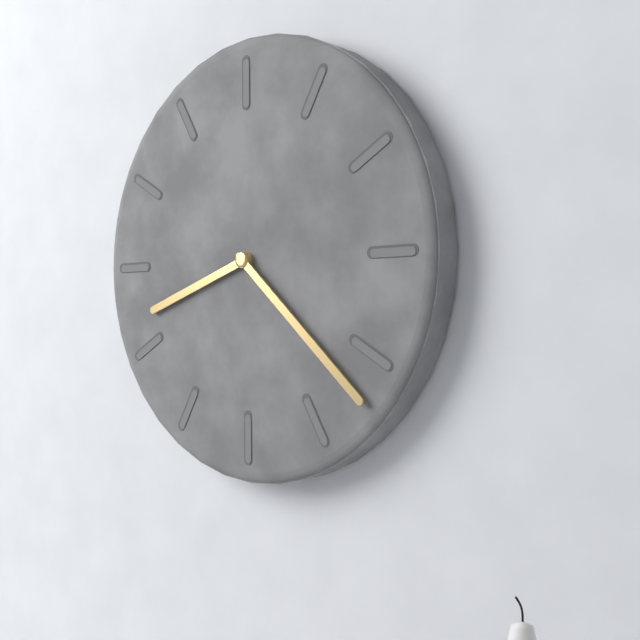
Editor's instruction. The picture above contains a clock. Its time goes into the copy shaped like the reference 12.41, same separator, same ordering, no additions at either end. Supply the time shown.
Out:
8.22
